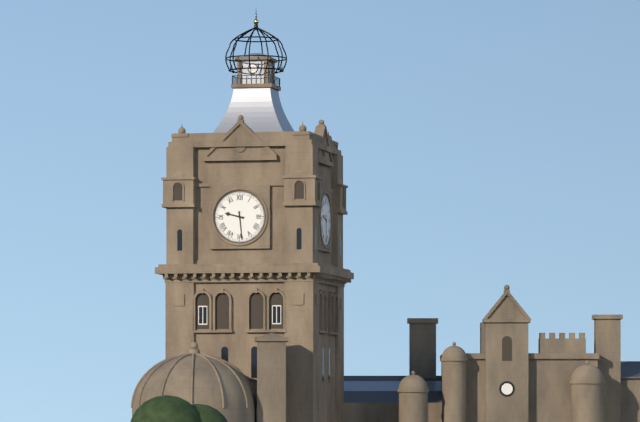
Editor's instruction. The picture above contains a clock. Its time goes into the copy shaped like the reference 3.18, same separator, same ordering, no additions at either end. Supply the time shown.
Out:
9.29
